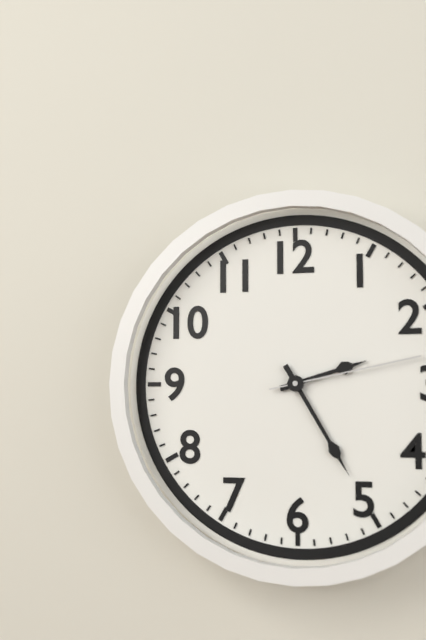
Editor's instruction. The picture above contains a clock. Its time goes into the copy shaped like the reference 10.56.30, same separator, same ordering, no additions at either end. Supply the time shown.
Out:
2.25.13
